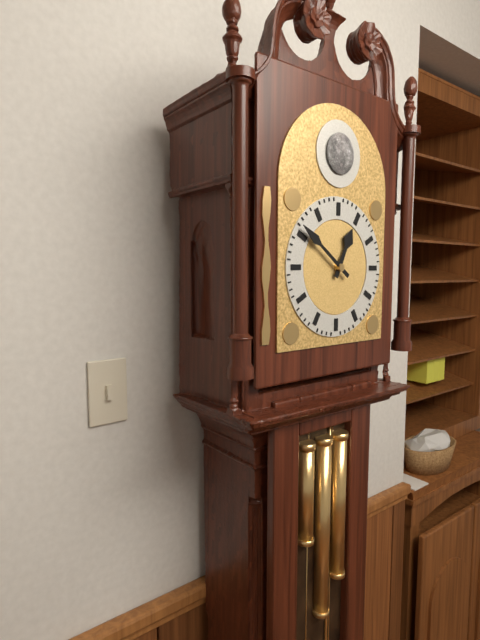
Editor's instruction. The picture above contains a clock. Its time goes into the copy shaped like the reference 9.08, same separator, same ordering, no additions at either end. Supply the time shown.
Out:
12.51
